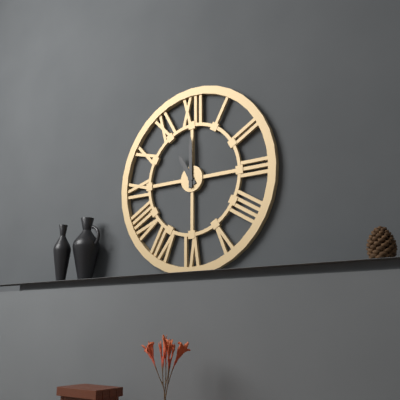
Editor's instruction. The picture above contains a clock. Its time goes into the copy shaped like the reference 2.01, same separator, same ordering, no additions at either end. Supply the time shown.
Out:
11.00
